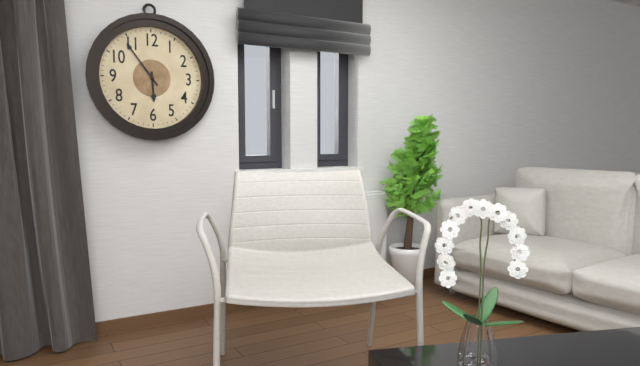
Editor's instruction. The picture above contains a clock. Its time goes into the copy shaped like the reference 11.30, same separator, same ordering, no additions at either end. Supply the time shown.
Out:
5.54
